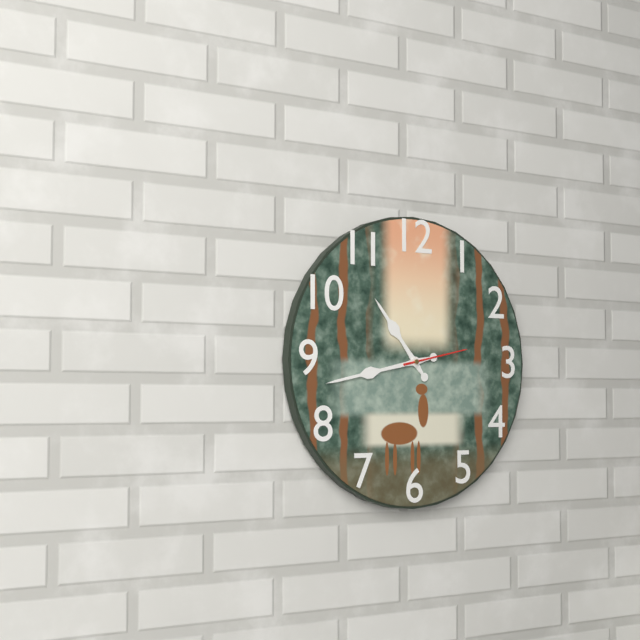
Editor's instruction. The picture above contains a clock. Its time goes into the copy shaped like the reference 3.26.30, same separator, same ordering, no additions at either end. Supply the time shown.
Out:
10.43.13
